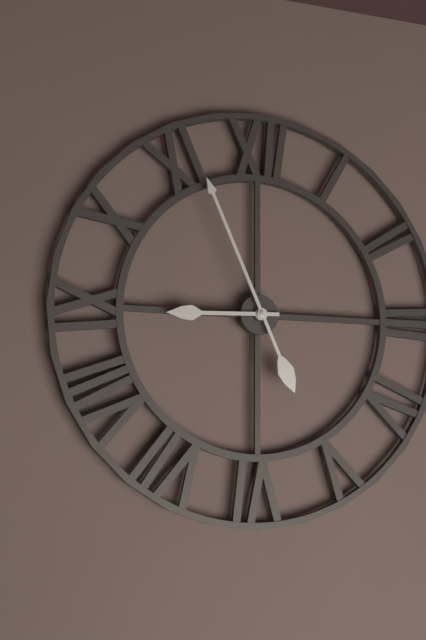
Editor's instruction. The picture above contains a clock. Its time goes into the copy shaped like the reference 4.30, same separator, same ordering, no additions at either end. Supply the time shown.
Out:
8.56
